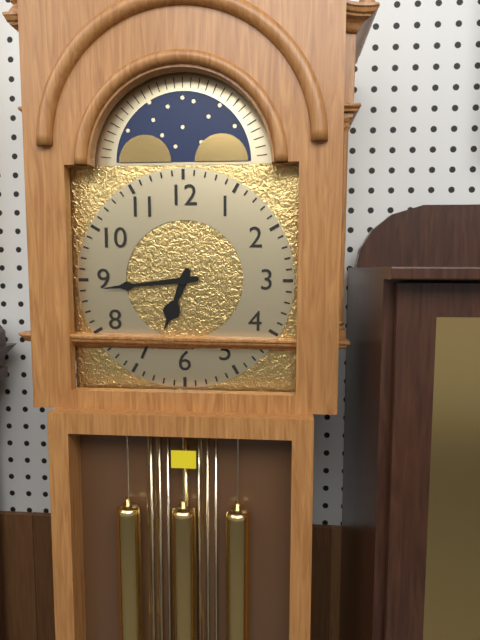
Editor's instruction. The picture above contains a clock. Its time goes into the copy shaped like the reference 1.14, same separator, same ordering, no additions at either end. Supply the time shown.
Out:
6.44
